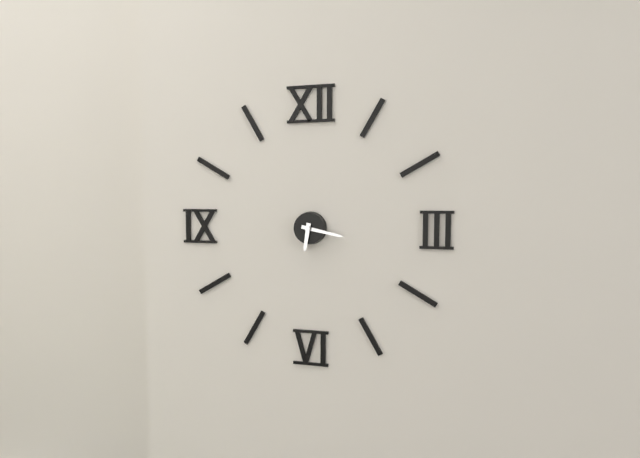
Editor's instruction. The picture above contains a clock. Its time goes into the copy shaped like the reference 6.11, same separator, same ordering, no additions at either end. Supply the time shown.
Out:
6.17
